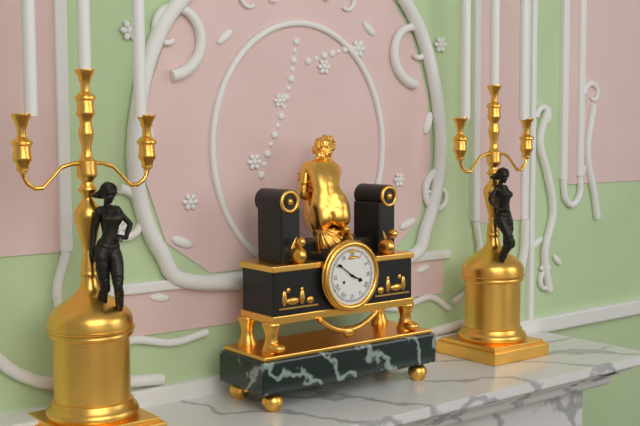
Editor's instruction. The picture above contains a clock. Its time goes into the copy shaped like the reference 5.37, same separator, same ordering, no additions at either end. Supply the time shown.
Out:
3.51
